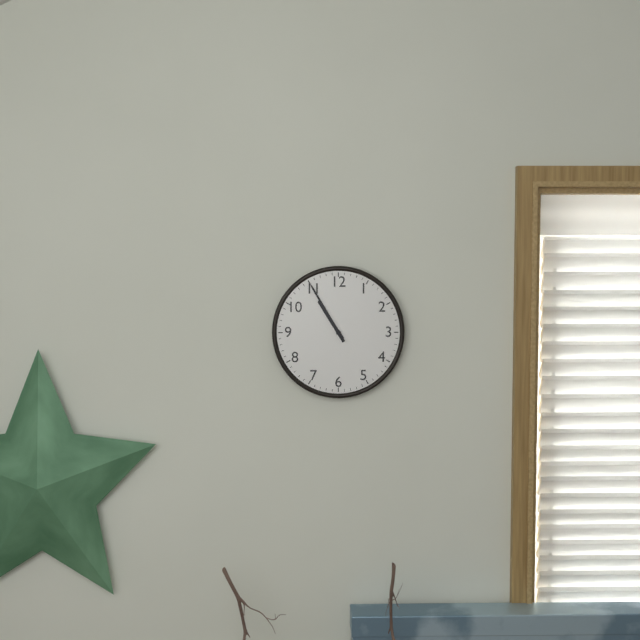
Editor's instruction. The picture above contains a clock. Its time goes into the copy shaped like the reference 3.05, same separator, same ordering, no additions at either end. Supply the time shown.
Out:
10.55
